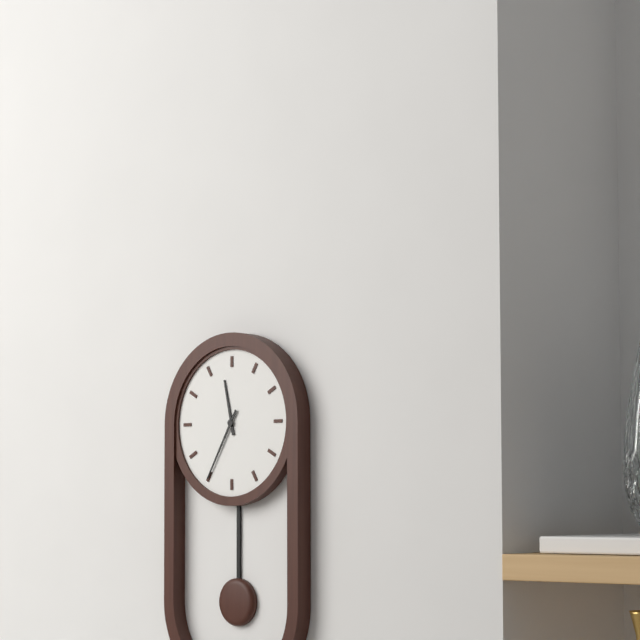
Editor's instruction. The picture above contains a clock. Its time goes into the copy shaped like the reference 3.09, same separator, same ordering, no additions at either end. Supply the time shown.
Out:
11.35
